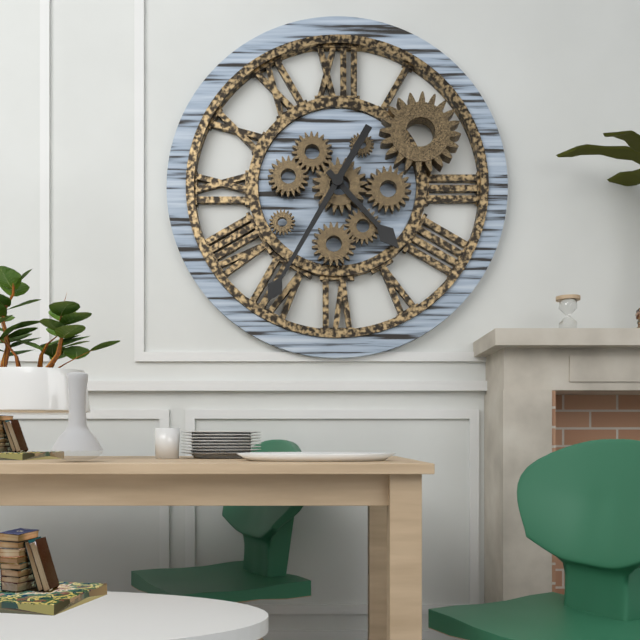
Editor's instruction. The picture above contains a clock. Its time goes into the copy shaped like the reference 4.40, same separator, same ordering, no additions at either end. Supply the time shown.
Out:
4.35
